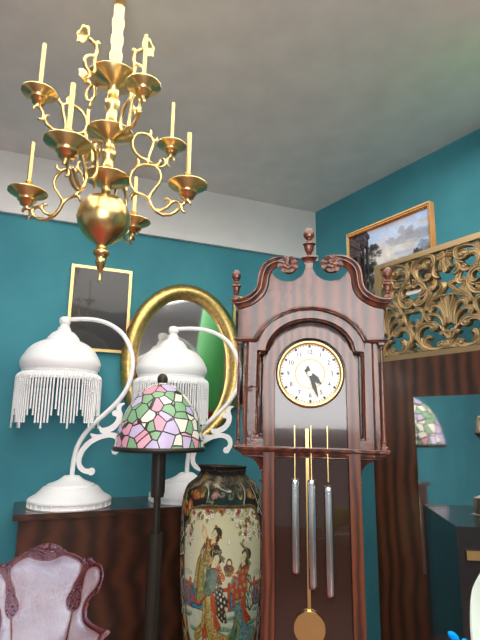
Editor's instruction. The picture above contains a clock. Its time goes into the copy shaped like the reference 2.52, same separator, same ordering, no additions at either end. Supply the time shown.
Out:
4.27
